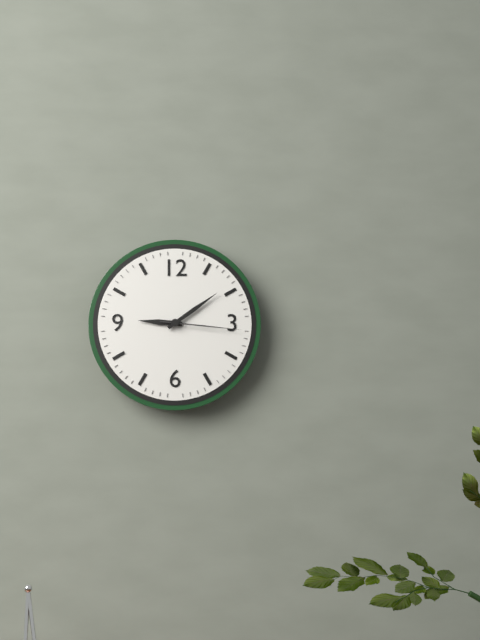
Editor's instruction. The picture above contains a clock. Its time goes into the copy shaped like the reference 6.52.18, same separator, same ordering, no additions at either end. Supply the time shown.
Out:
9.09.16
